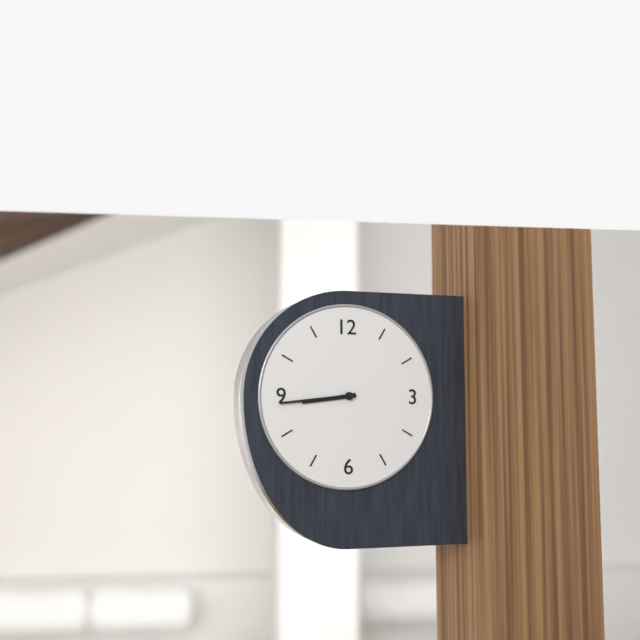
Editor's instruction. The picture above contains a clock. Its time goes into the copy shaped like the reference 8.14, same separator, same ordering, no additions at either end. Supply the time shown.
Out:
8.44
